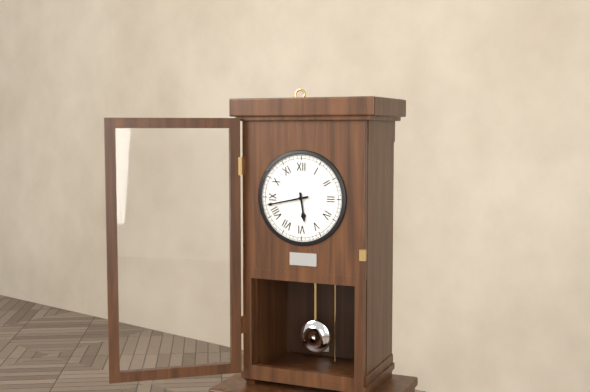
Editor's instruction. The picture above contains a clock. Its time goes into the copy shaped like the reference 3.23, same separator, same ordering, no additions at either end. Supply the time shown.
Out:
5.43
